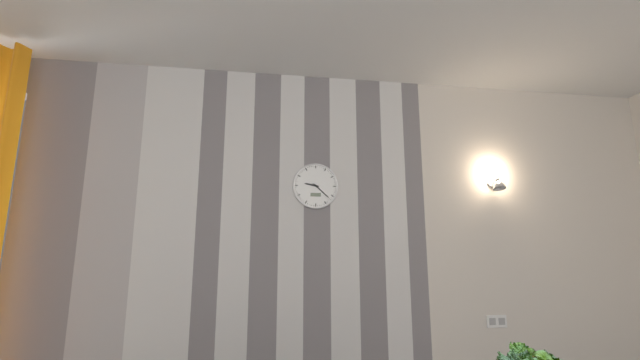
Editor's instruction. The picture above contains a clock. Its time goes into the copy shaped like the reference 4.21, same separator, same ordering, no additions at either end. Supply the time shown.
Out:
9.22
